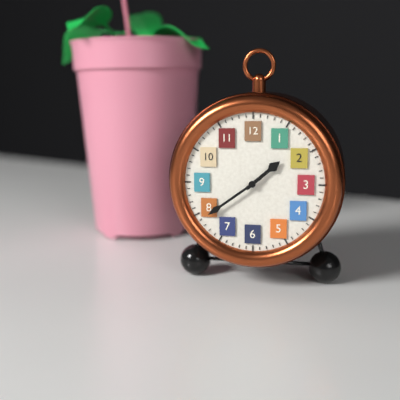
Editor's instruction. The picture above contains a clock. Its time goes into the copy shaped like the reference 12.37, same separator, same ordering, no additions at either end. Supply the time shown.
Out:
1.39
